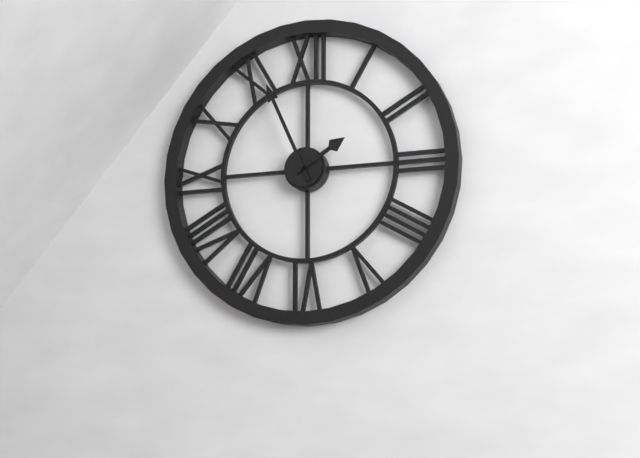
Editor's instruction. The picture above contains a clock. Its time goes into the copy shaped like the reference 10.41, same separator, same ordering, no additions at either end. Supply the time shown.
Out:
1.56
